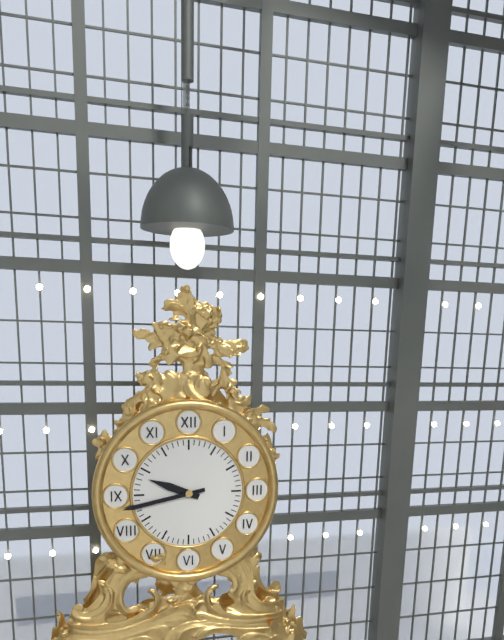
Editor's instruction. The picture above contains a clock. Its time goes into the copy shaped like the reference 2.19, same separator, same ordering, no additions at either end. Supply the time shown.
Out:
9.43
